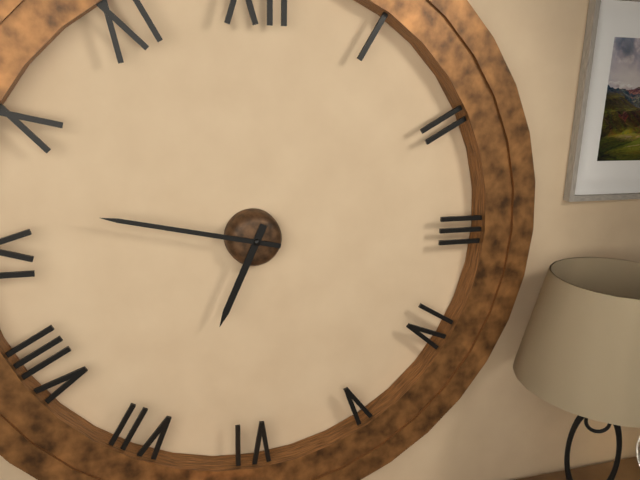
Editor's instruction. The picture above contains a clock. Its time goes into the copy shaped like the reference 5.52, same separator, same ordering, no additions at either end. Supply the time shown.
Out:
6.47
